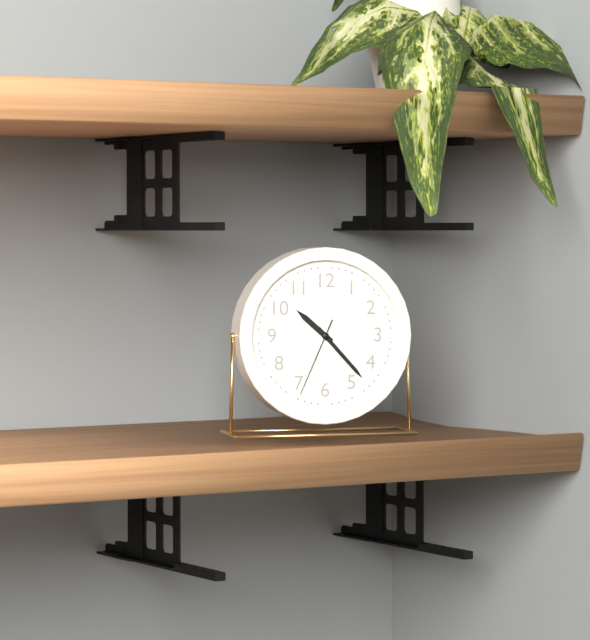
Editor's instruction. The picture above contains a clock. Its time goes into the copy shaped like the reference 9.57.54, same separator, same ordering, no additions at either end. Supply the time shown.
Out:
10.23.34
